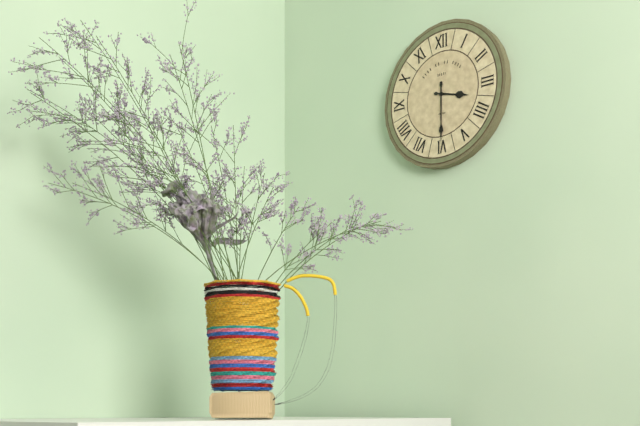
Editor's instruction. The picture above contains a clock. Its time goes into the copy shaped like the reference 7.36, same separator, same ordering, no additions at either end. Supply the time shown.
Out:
3.30
